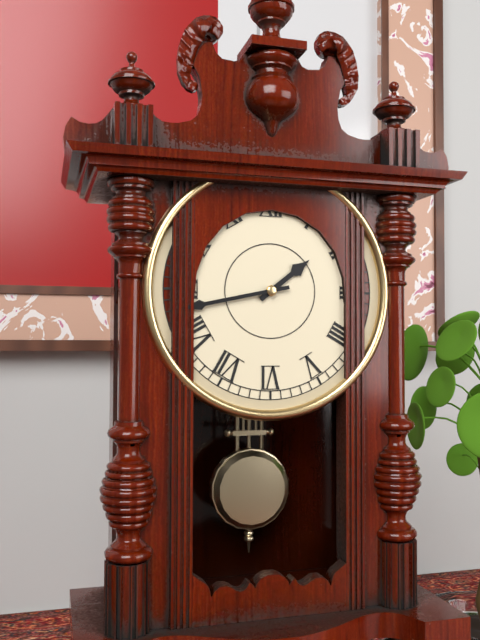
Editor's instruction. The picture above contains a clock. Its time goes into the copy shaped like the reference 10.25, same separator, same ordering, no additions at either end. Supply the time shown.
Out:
1.43
